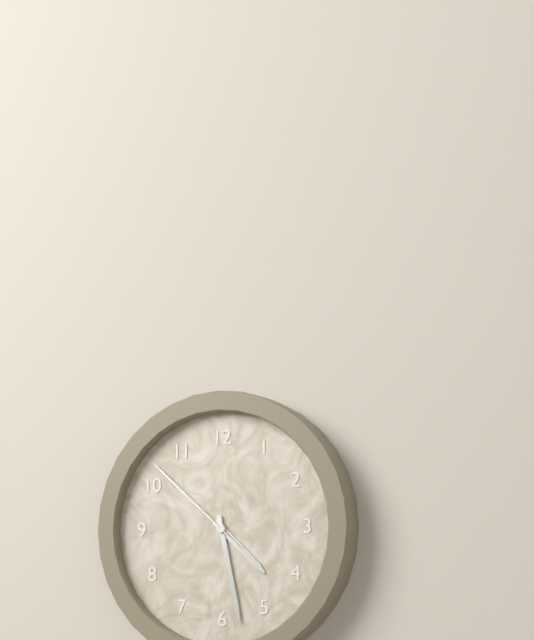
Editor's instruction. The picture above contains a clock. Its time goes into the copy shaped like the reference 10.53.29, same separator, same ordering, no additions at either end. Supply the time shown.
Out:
4.28.52
